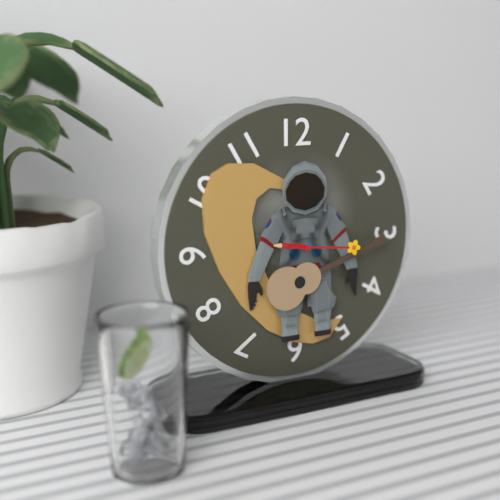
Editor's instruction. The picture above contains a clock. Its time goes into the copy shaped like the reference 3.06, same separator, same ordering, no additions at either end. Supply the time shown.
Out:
9.16
